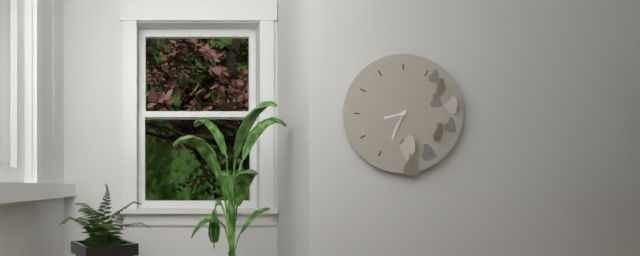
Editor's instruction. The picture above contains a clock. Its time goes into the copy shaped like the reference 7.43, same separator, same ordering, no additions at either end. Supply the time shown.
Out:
8.34
